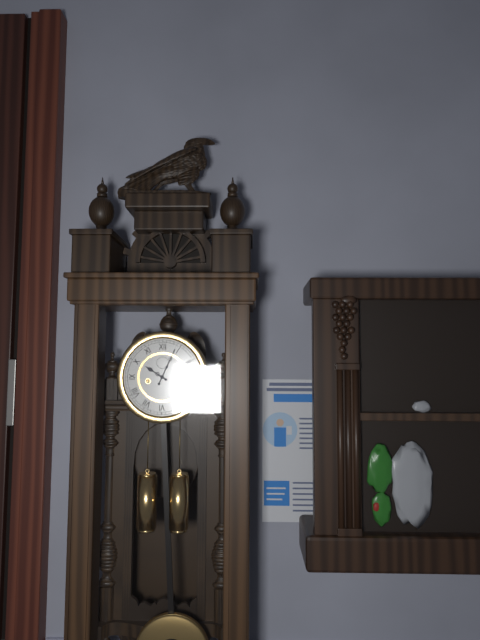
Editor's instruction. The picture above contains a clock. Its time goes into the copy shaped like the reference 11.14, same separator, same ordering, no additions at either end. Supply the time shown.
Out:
10.04
